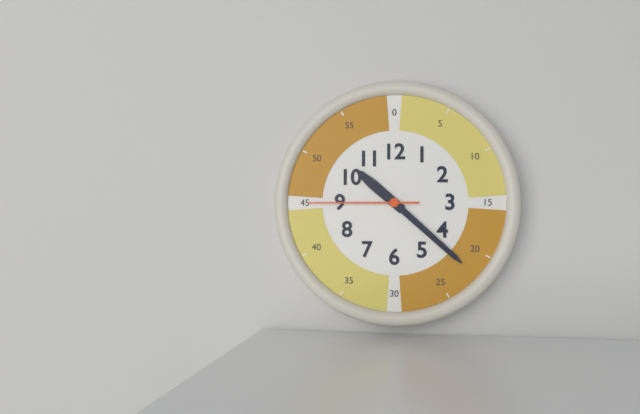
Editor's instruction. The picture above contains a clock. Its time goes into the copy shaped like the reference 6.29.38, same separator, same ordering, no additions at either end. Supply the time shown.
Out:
10.22.45
